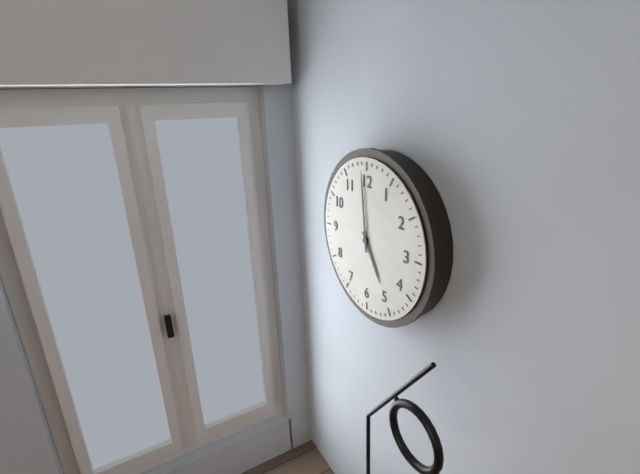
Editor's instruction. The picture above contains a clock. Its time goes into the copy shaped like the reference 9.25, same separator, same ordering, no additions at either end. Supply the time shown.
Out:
4.59
